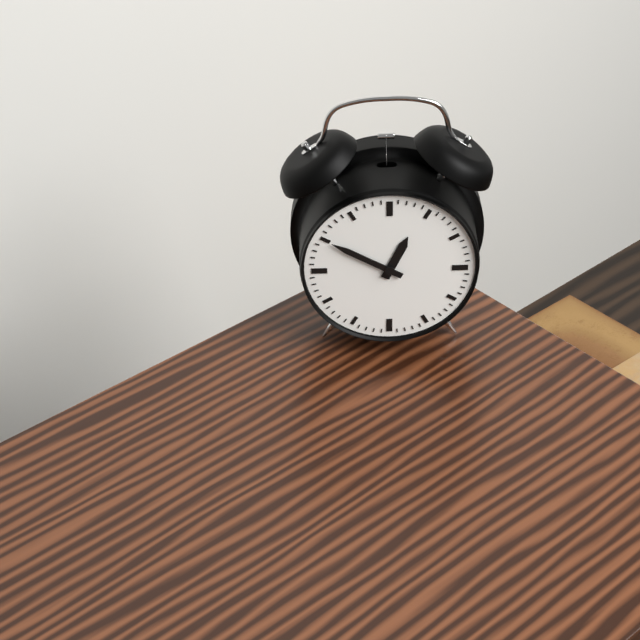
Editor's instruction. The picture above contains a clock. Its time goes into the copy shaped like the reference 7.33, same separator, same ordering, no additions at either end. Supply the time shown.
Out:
12.50
